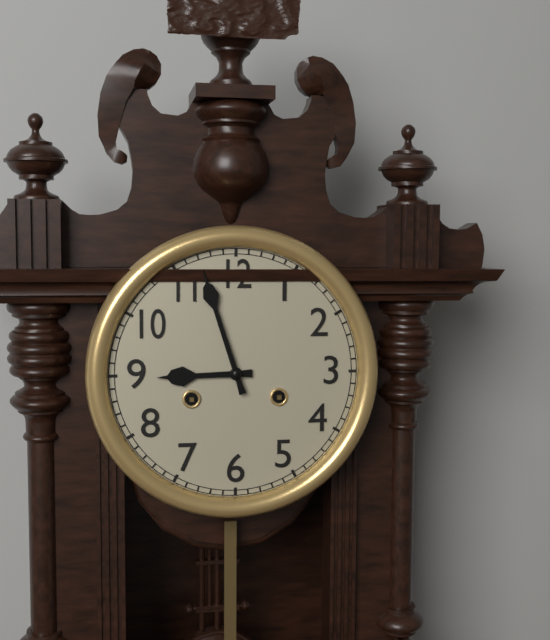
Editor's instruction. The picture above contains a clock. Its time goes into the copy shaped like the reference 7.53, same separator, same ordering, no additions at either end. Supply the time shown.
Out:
8.57
